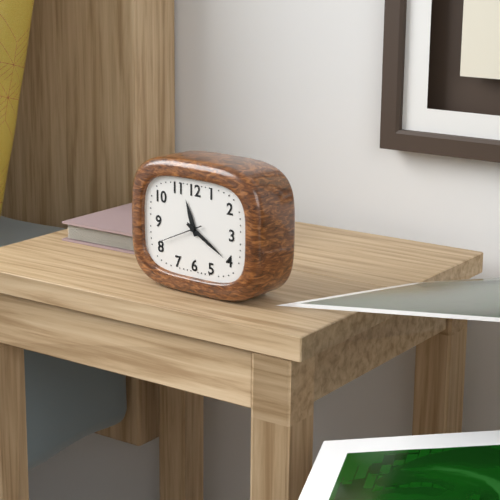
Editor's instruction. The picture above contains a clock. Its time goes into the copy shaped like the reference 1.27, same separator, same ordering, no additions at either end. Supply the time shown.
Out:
11.20
